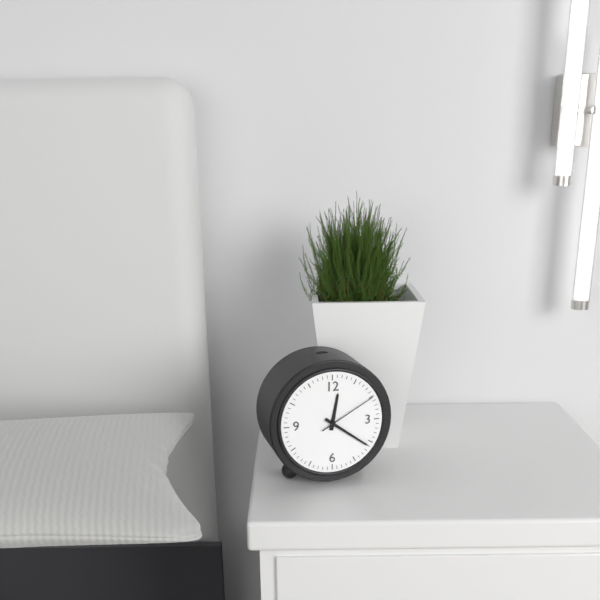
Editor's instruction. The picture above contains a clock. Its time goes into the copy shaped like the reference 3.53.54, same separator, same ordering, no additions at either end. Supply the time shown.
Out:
12.21.10
